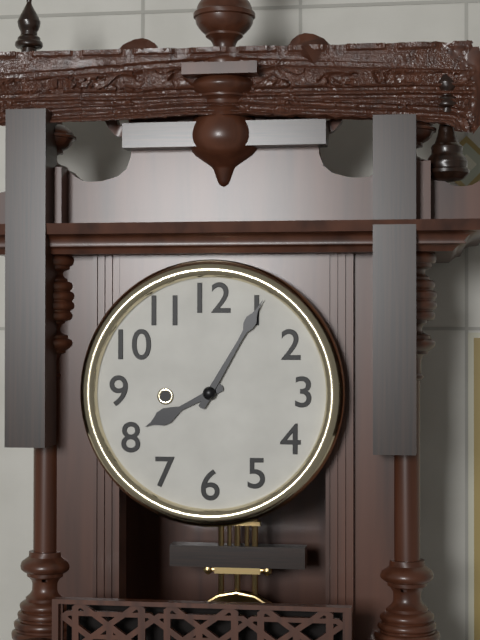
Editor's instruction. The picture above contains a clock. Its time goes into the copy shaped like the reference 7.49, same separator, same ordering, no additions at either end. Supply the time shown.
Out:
8.05
